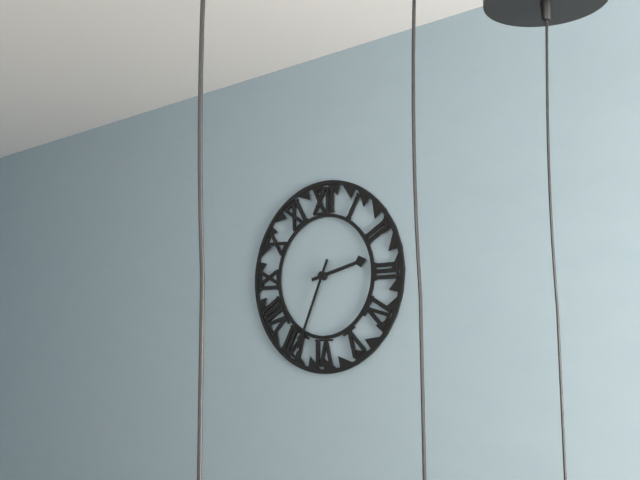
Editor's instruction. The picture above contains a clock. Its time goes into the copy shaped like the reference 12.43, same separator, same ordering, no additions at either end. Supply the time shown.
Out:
2.34
